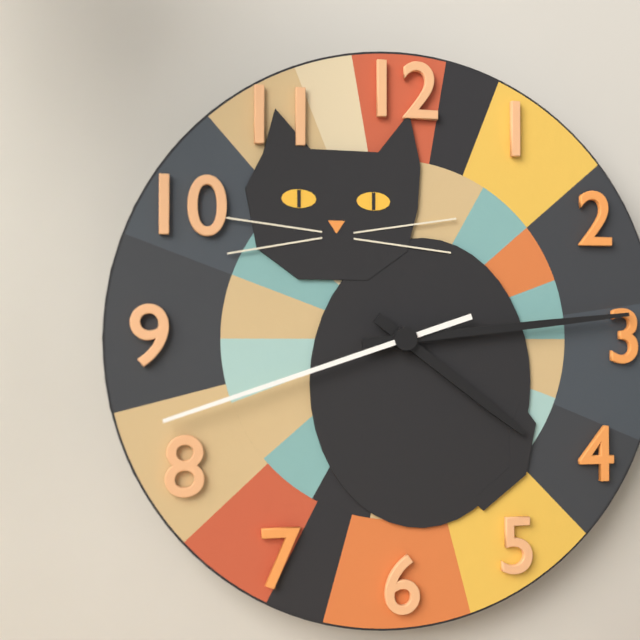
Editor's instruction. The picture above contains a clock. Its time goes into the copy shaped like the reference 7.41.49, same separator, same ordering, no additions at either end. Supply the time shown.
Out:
4.14.42
